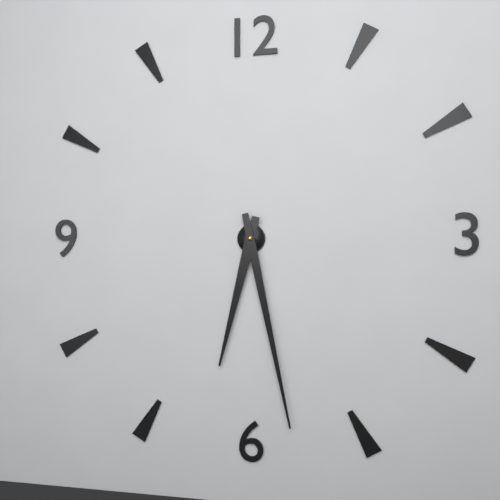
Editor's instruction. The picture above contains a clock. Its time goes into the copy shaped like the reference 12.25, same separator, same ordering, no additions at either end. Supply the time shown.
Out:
6.28
